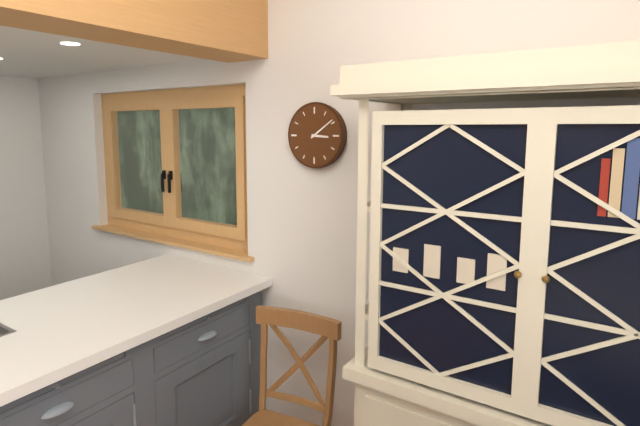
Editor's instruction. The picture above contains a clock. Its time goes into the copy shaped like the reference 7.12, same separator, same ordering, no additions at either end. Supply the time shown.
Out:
3.09
